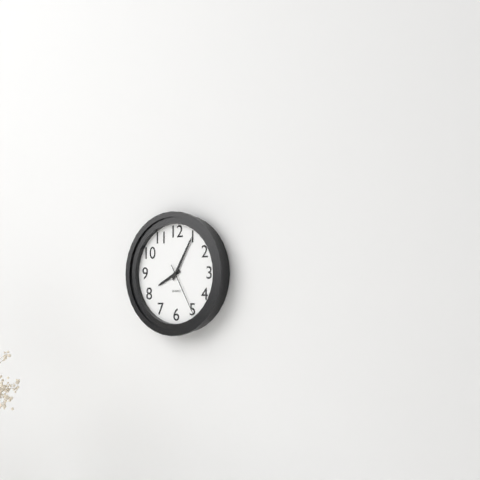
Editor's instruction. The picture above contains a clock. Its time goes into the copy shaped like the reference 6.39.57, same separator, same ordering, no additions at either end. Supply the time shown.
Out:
8.05.25
